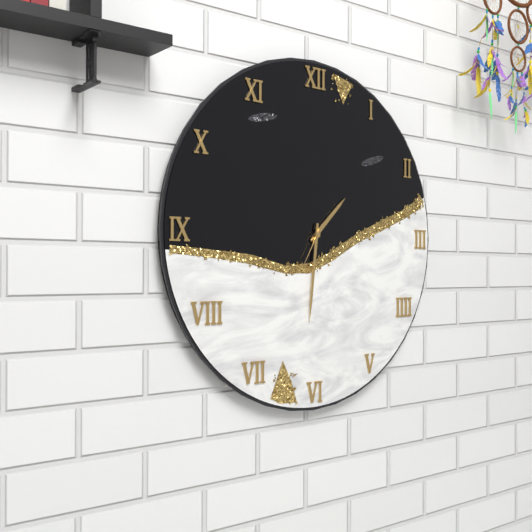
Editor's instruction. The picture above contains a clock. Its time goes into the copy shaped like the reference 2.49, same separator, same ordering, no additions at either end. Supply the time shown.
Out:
1.31
